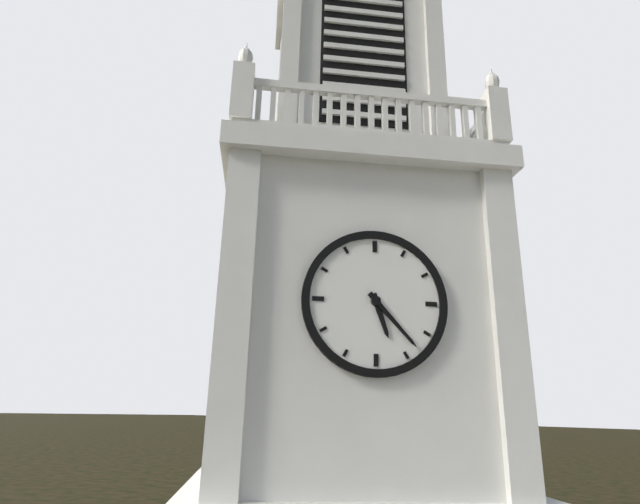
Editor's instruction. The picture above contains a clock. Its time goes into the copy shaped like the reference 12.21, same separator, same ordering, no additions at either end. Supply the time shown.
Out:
5.23
